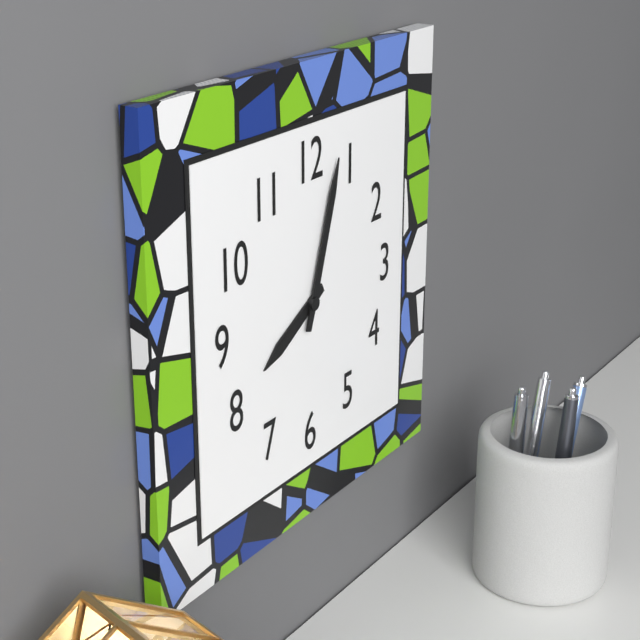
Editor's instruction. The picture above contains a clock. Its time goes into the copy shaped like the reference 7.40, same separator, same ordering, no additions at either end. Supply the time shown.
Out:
8.03
